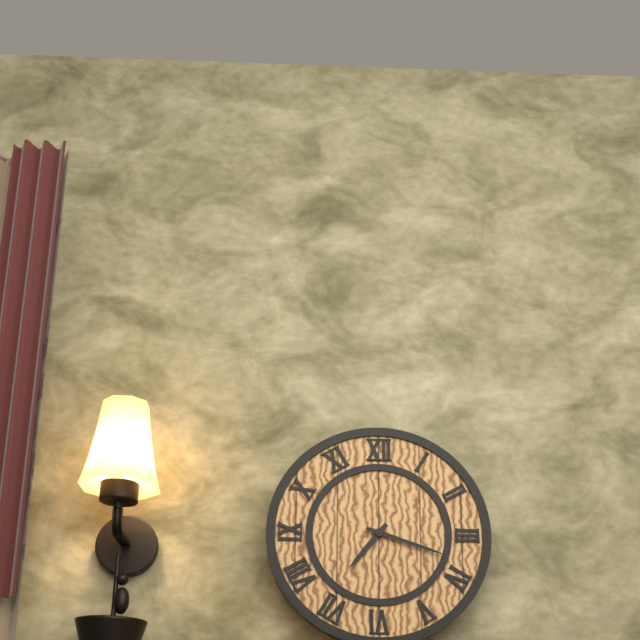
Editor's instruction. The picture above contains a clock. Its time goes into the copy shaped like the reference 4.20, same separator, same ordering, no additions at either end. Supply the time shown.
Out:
7.18
